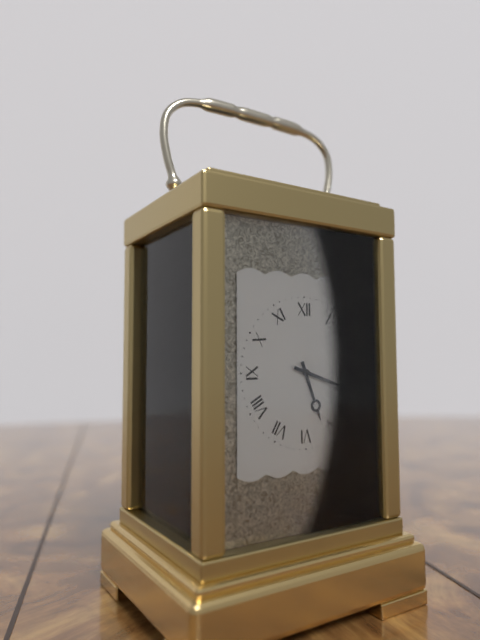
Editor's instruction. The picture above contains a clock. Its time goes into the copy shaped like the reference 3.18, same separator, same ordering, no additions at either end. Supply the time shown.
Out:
5.18
